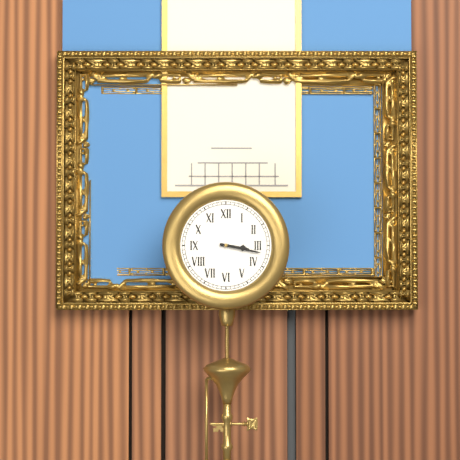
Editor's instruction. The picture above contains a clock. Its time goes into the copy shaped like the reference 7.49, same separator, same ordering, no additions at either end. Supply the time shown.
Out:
3.17
